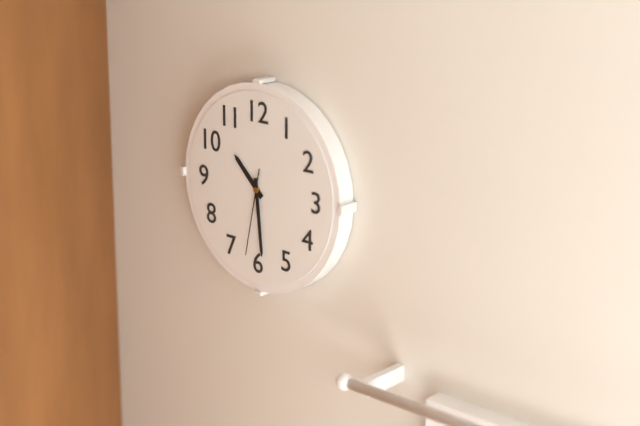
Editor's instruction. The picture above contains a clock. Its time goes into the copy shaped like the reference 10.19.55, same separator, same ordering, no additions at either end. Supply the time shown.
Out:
10.29.32
